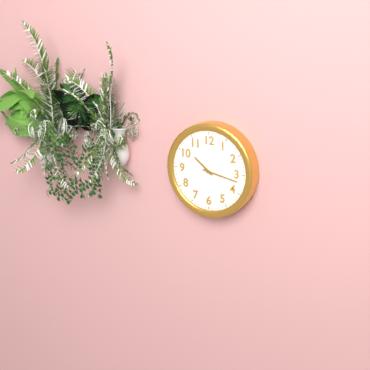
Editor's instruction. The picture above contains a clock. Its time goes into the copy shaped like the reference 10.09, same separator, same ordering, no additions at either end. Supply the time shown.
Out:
10.17
